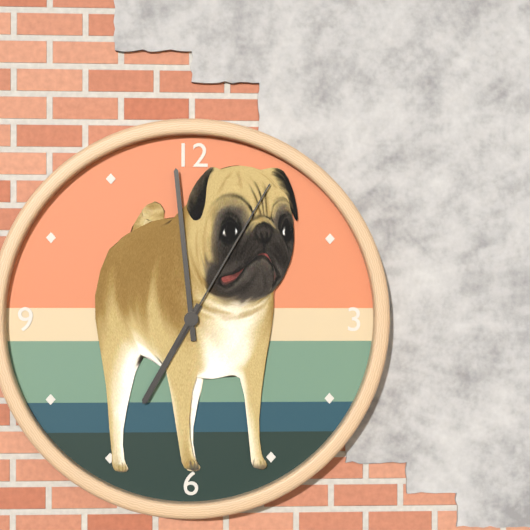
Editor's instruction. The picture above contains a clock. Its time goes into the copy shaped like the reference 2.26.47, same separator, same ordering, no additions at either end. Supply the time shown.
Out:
6.59.05
